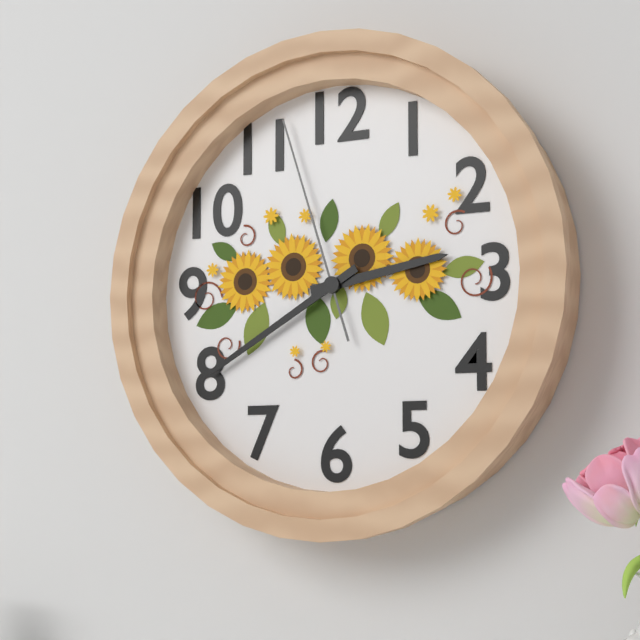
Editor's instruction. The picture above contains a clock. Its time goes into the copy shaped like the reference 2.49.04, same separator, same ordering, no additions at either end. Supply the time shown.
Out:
2.40.57
